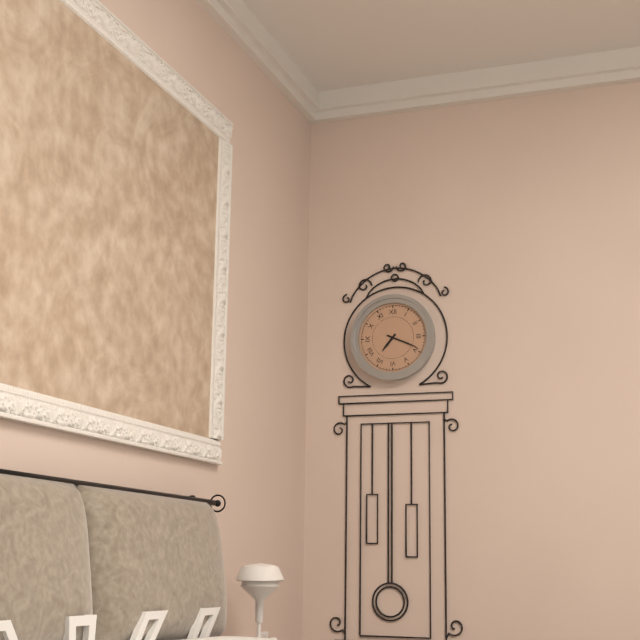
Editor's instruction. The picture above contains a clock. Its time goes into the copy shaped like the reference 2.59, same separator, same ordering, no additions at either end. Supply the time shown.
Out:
7.19
